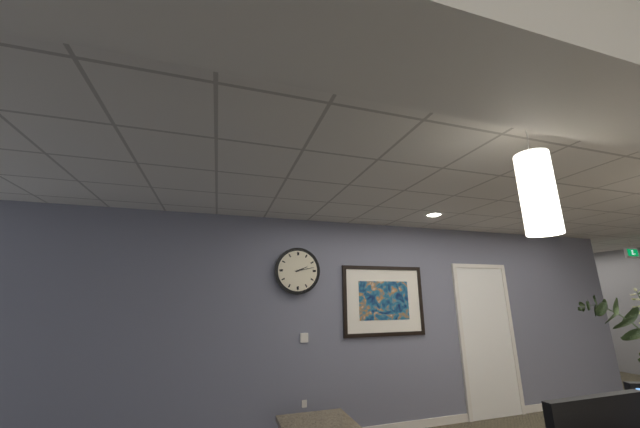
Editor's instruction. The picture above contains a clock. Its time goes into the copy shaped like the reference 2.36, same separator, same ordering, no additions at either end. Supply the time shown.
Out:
2.13
